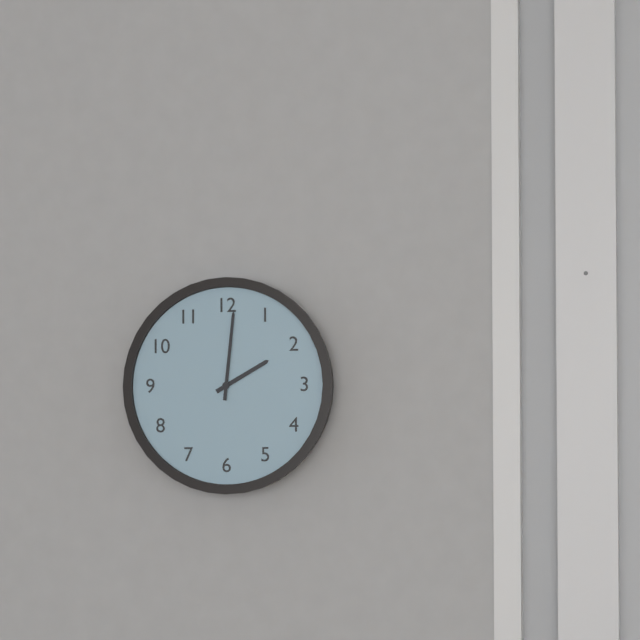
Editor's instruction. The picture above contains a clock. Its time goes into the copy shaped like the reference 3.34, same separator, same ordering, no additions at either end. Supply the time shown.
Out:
2.01
